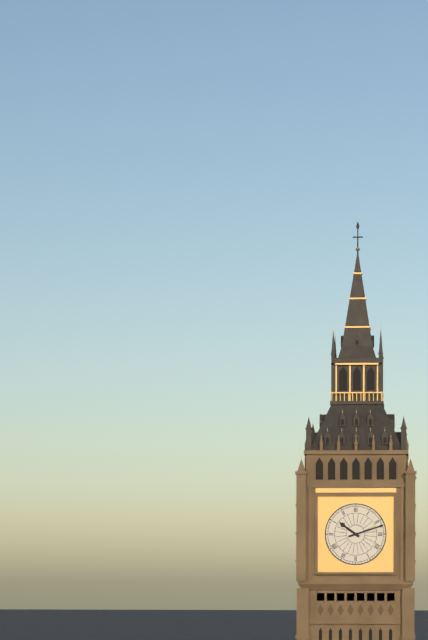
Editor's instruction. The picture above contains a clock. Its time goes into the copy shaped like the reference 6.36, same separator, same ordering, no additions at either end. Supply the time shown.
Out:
10.12
